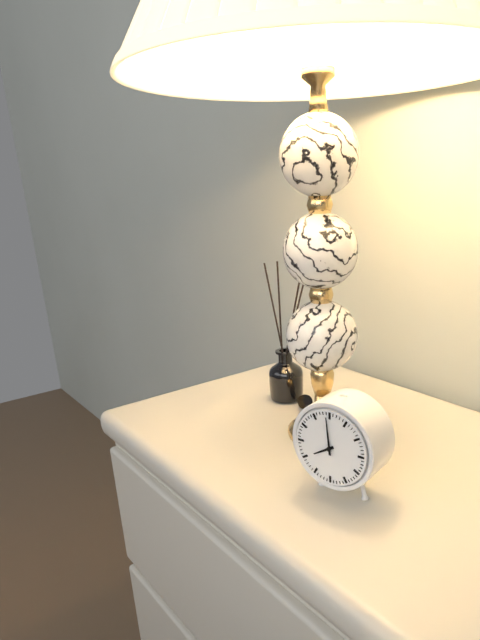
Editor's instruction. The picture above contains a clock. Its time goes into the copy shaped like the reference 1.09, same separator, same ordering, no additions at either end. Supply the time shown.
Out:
7.59
